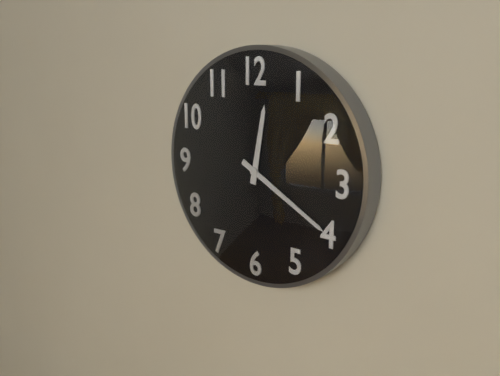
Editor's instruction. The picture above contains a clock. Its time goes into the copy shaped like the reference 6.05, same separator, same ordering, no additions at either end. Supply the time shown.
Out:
12.20
